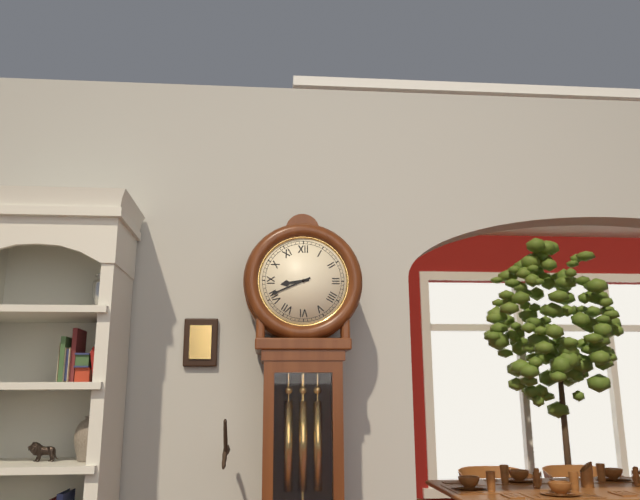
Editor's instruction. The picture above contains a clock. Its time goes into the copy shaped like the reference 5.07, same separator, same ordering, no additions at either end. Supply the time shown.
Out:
8.41
